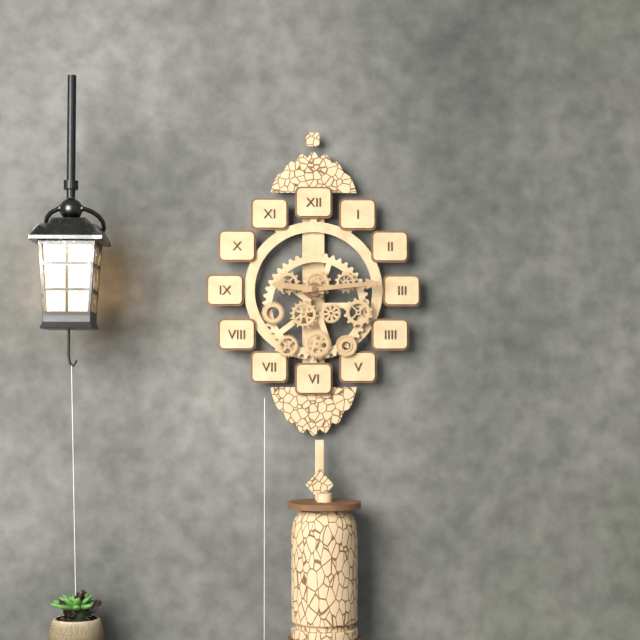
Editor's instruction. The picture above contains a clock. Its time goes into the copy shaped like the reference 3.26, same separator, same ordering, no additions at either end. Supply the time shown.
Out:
9.14
